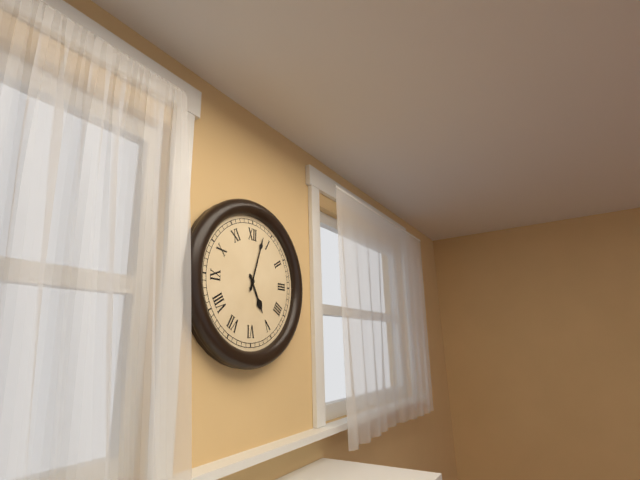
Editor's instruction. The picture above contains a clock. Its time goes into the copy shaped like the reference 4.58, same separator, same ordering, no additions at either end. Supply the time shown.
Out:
5.03
